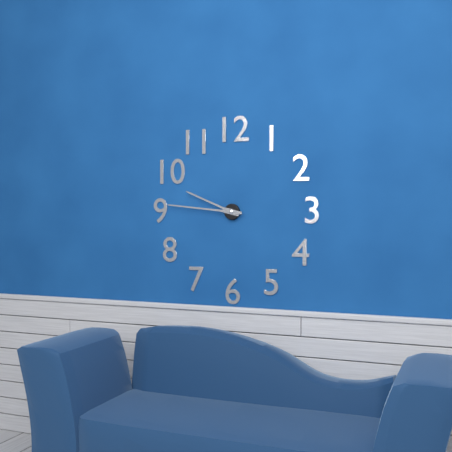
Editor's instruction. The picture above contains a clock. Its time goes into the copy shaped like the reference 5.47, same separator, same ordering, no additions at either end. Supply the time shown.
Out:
9.46
